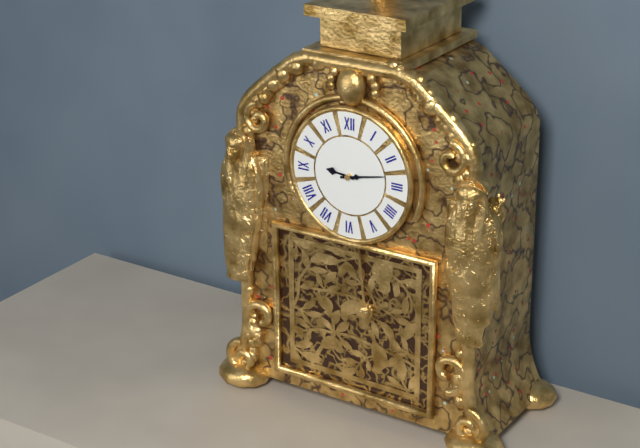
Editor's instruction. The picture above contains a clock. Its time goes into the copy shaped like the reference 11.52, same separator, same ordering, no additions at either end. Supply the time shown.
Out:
9.13
